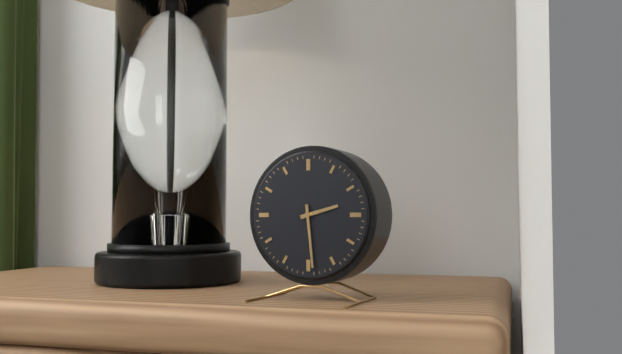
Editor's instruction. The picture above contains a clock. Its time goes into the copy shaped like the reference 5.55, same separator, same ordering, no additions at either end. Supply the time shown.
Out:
2.29
